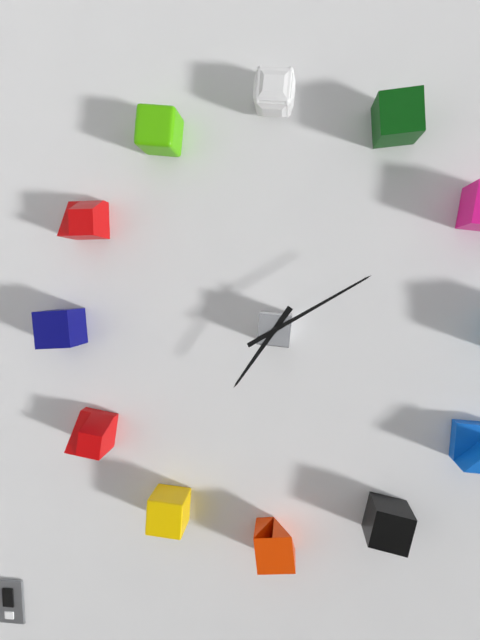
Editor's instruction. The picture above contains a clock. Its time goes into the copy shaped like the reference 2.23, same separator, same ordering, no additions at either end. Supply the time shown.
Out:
7.10
